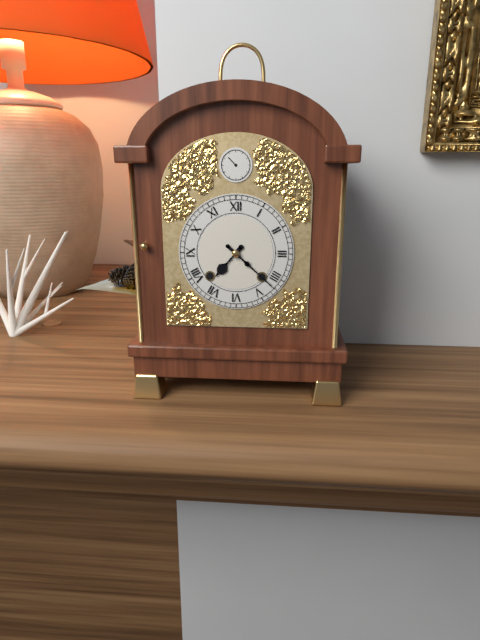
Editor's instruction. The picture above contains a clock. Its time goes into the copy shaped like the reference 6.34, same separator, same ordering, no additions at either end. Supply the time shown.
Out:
7.22
